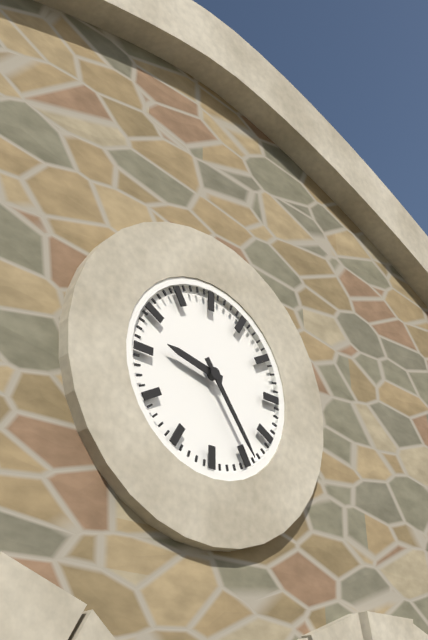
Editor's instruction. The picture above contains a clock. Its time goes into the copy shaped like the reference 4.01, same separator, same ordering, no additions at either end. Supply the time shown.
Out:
9.24
